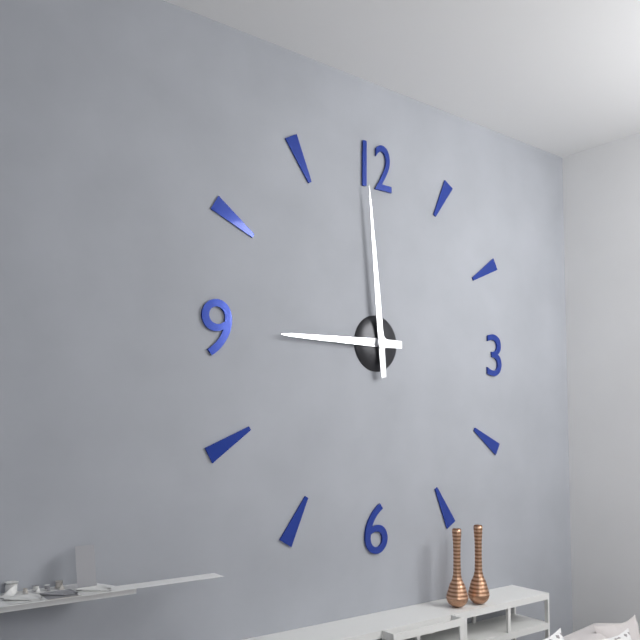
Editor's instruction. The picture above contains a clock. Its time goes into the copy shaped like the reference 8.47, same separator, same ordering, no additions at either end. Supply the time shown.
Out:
8.59
